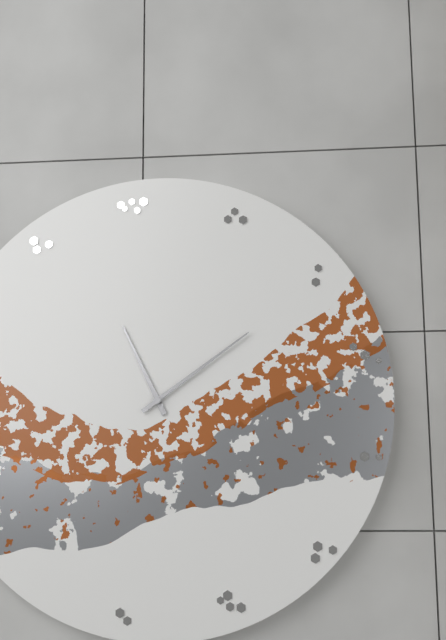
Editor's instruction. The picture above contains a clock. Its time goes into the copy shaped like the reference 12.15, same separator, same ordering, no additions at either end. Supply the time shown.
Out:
11.09
